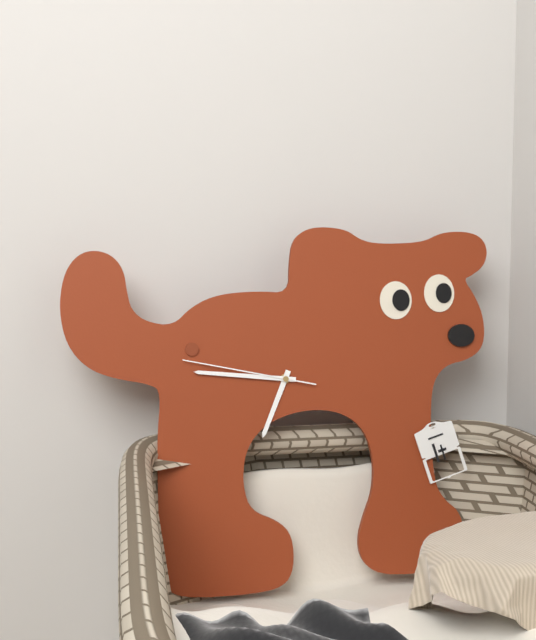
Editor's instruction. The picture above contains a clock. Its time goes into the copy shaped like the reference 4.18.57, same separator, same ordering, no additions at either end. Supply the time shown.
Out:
6.46.47
